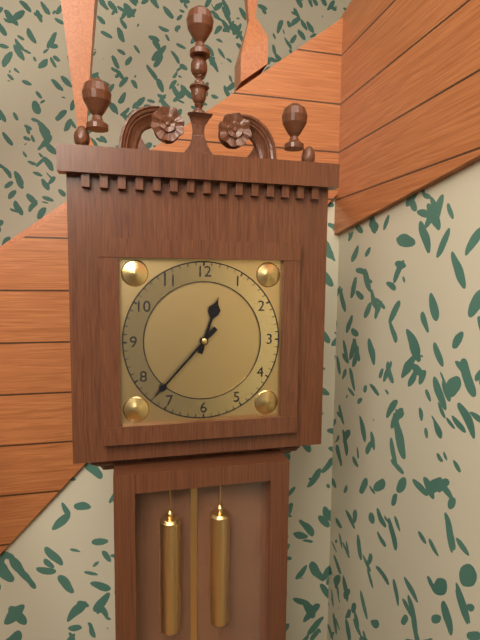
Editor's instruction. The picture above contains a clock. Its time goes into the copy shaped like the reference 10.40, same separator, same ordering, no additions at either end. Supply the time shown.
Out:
12.37
